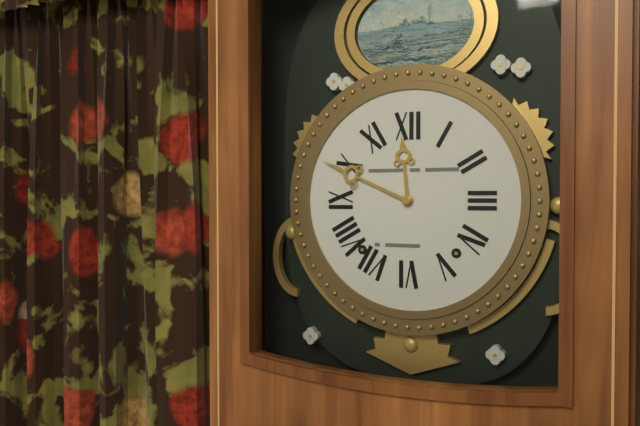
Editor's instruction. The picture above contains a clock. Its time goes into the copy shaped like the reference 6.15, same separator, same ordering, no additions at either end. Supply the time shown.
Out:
11.49
